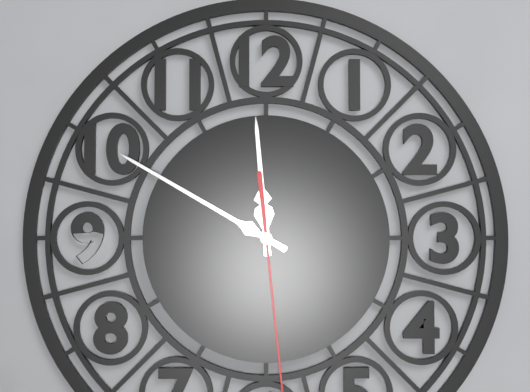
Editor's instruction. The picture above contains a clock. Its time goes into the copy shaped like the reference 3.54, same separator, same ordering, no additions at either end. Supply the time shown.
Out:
11.50
